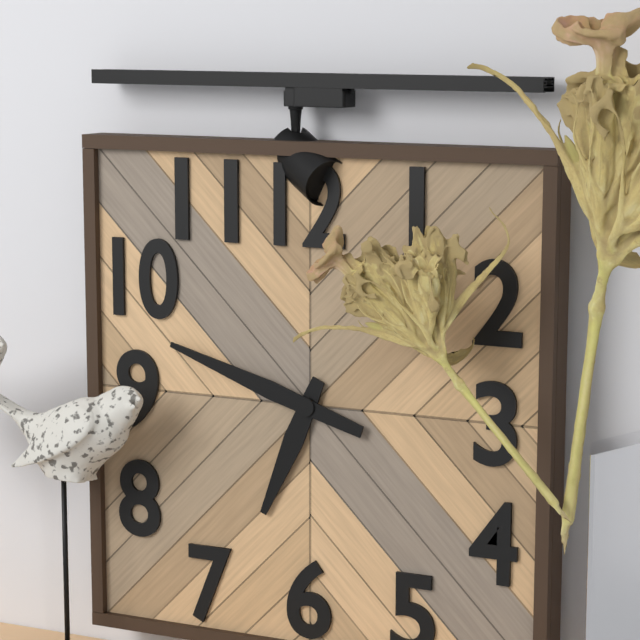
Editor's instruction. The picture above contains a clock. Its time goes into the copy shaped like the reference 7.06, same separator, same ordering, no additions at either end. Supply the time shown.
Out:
6.48
